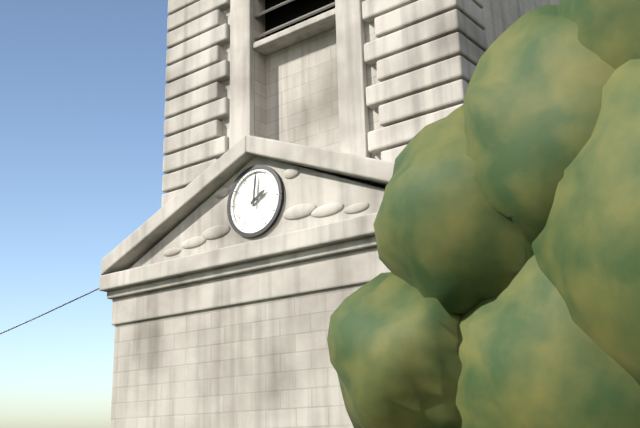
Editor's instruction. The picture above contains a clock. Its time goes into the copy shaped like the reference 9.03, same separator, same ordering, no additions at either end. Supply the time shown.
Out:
2.01
